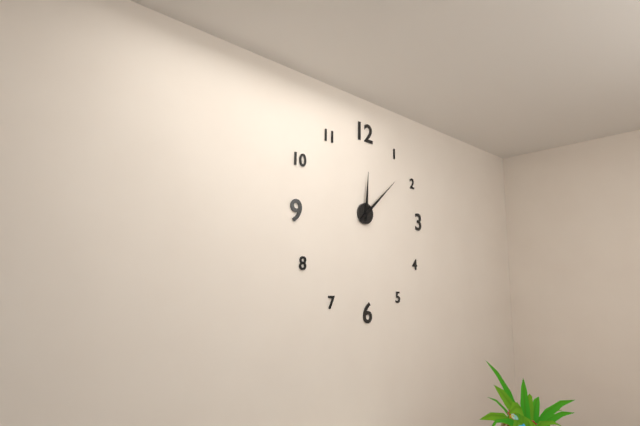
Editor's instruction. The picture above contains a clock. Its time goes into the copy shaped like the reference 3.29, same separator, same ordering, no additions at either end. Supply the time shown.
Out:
12.08
